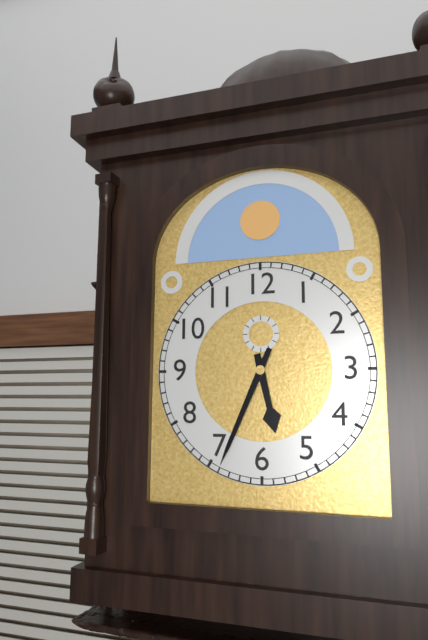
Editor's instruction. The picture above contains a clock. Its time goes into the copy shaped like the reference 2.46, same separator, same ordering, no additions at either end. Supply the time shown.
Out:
5.34
